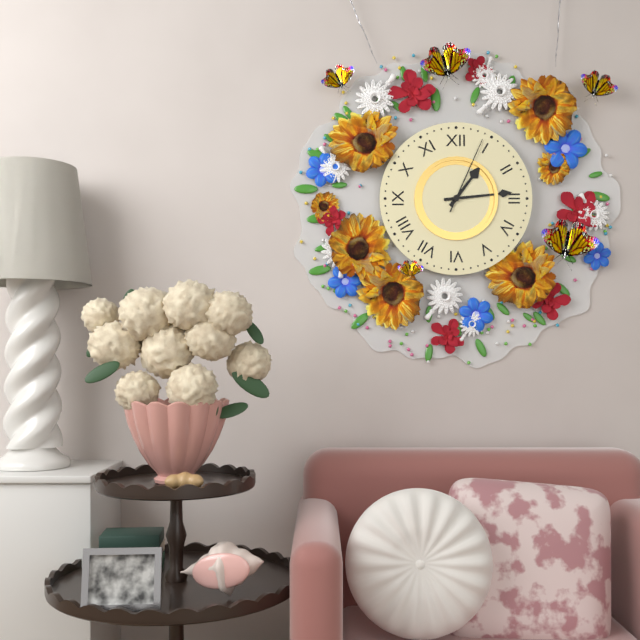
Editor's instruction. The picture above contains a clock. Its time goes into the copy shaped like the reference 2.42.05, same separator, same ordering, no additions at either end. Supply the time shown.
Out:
1.14.04
